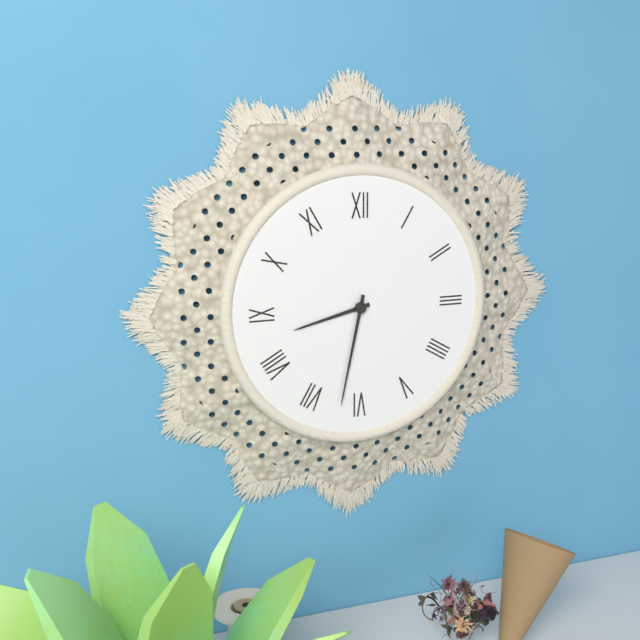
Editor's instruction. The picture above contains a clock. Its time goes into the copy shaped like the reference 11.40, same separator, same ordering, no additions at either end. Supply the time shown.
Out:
8.32
